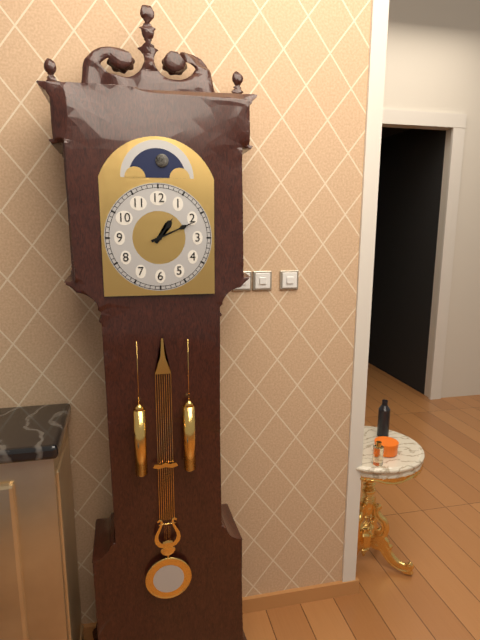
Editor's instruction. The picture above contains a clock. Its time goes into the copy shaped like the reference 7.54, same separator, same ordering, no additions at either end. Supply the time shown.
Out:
1.11
